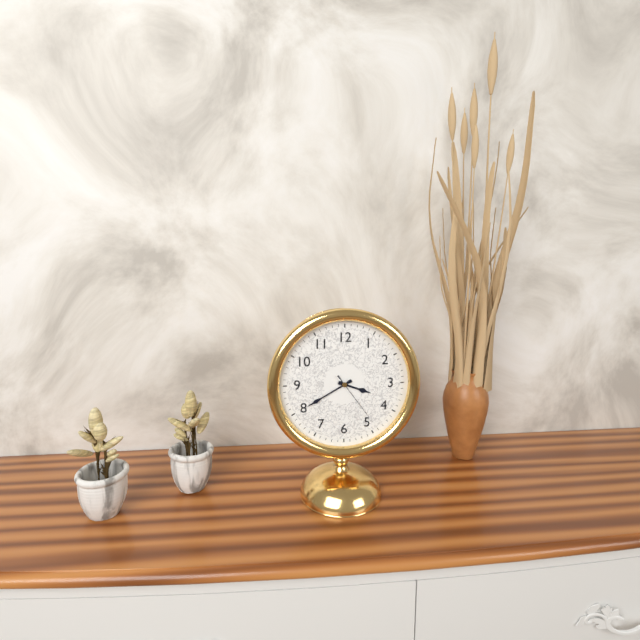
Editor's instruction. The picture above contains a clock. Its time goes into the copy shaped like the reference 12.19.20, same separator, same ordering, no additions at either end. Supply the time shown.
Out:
3.40.24
